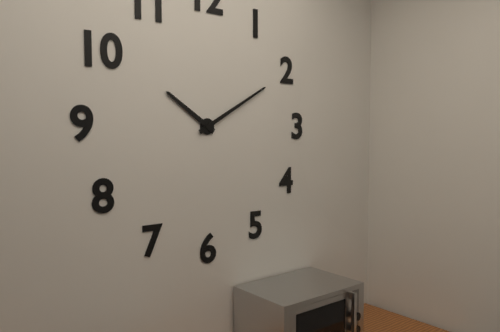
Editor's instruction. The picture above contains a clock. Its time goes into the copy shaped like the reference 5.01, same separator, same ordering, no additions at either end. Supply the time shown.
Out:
10.10
